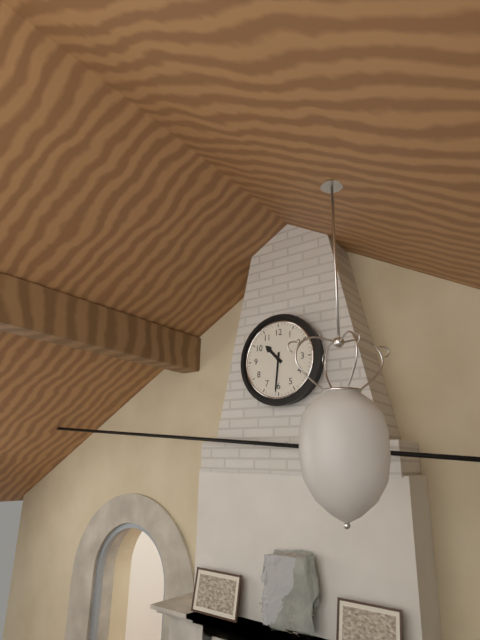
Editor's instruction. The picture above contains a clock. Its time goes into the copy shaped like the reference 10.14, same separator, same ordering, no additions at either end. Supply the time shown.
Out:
10.31
